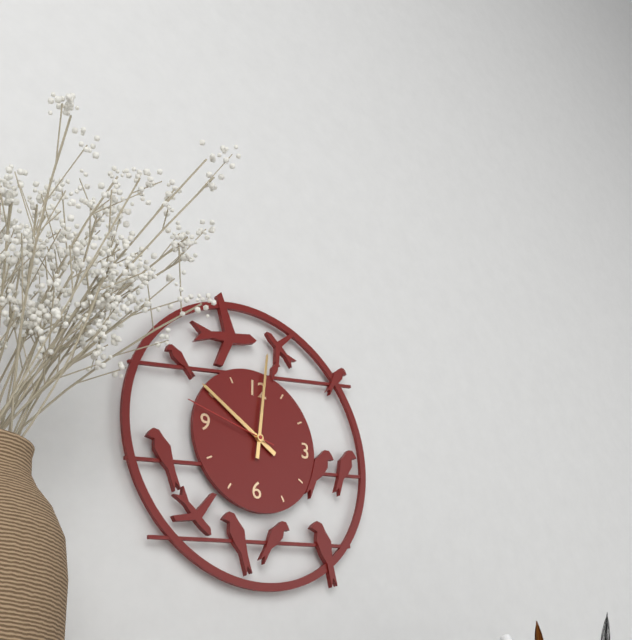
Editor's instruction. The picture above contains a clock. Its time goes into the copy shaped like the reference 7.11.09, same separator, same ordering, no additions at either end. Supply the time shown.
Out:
10.01.47
